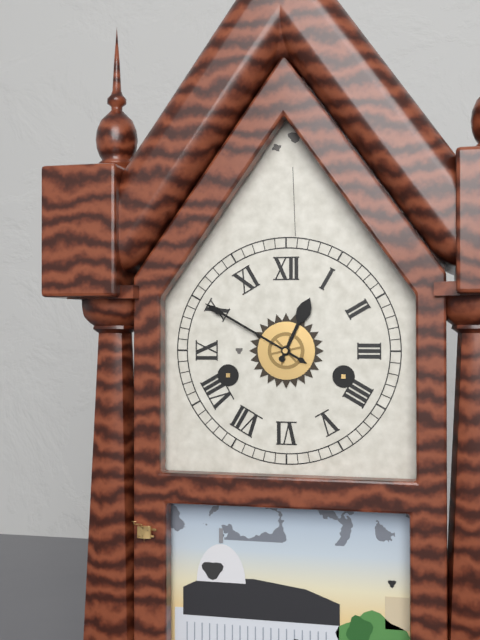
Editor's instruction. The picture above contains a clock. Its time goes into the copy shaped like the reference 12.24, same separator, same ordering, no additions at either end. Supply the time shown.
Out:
12.50
